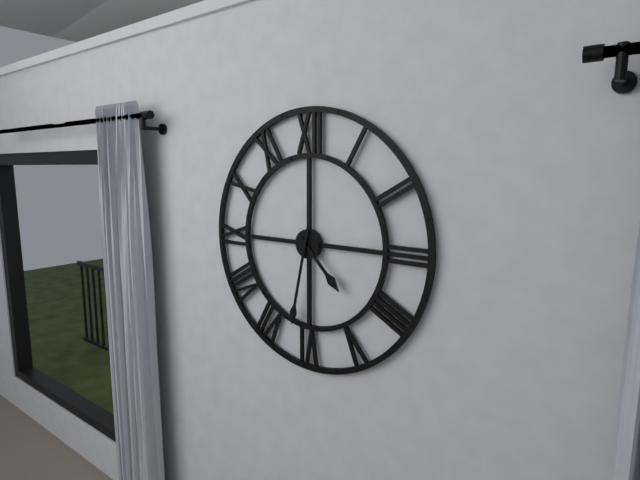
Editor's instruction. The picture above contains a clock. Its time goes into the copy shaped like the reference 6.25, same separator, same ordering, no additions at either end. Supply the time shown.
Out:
4.32
